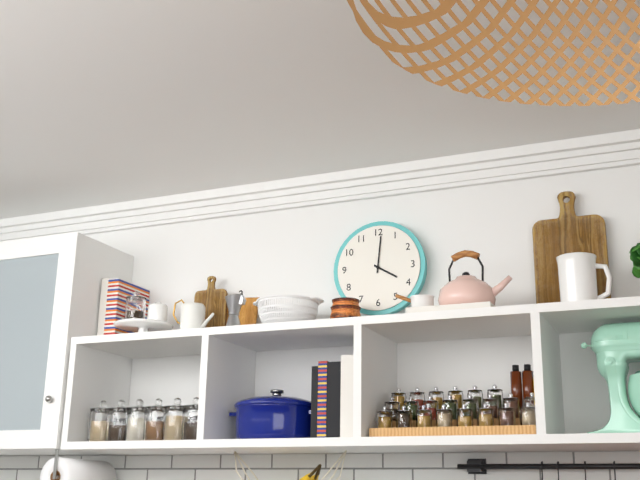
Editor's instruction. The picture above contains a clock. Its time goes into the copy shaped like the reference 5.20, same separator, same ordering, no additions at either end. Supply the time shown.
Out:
4.01
